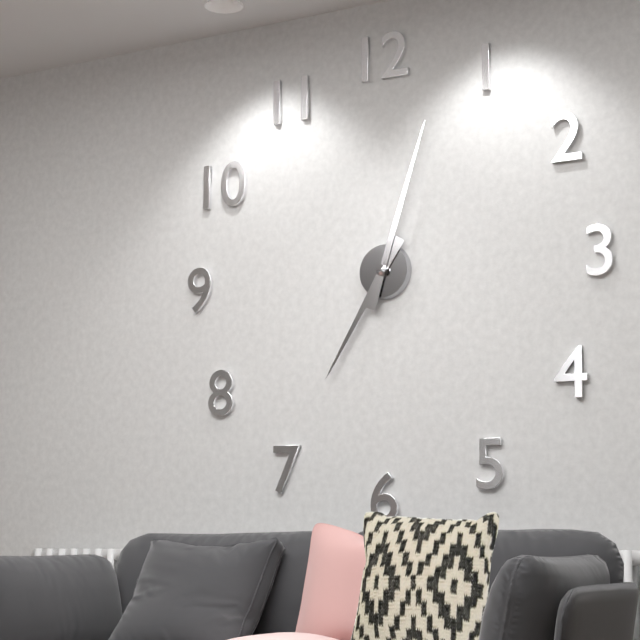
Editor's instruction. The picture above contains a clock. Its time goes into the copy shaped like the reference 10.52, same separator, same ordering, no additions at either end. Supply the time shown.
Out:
7.03
